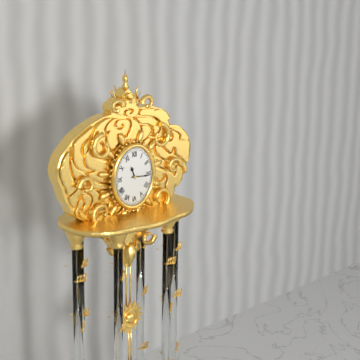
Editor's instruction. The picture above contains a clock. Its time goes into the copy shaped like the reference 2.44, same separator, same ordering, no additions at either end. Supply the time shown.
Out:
11.16
